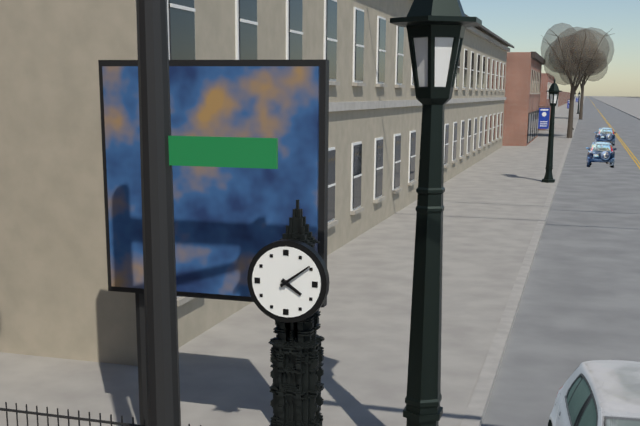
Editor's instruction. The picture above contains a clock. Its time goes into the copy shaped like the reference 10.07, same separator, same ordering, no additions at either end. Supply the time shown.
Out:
4.09
